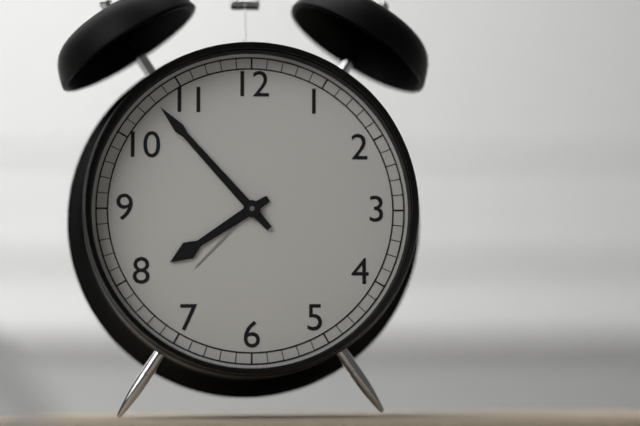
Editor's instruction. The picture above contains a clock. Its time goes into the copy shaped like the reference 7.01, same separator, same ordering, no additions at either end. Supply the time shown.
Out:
7.53
